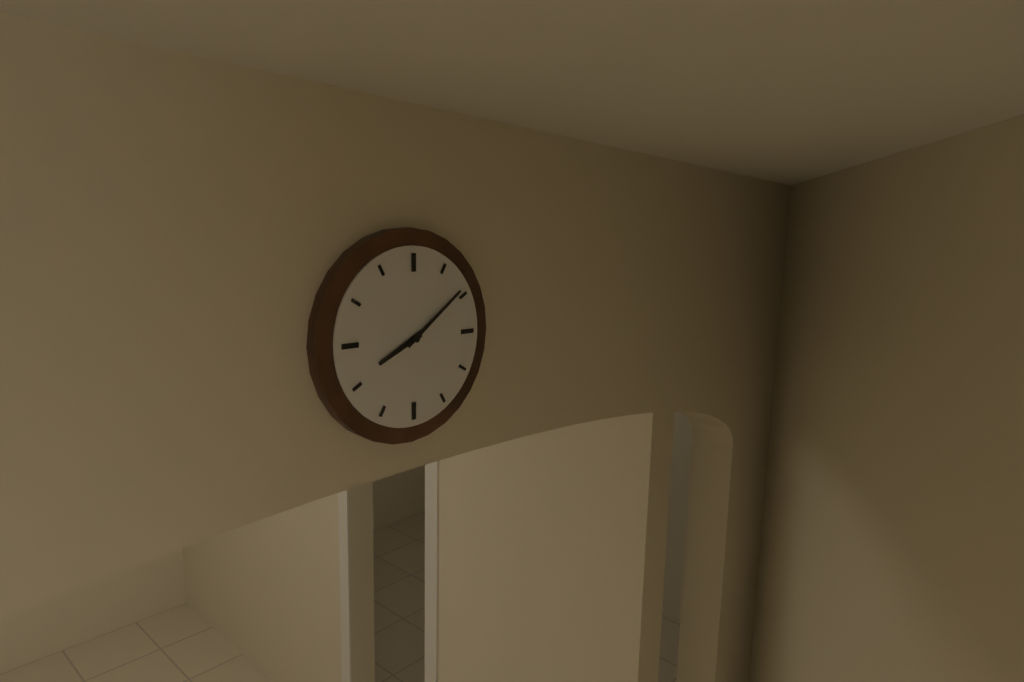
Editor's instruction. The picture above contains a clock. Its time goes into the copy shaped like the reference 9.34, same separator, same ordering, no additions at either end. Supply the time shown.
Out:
8.09
